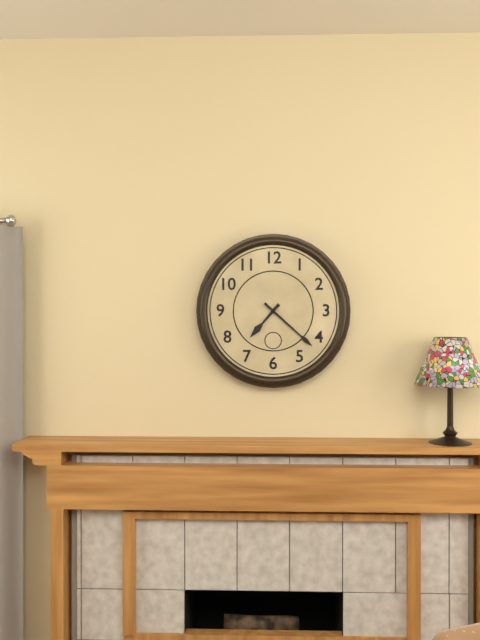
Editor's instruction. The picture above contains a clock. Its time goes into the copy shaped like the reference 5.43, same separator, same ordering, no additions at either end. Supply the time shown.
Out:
7.22
